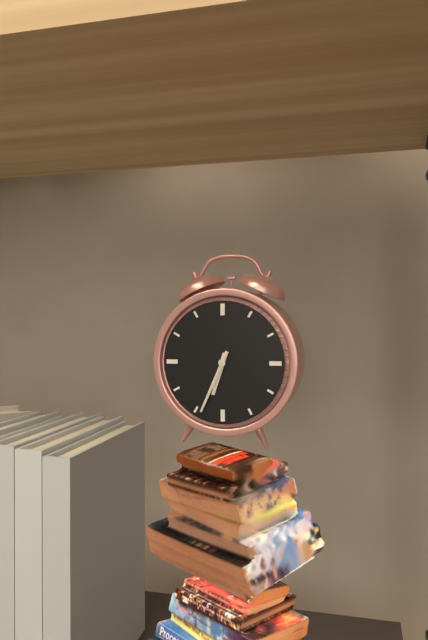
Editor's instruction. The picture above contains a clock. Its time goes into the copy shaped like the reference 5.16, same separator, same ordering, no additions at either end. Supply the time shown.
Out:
6.34
